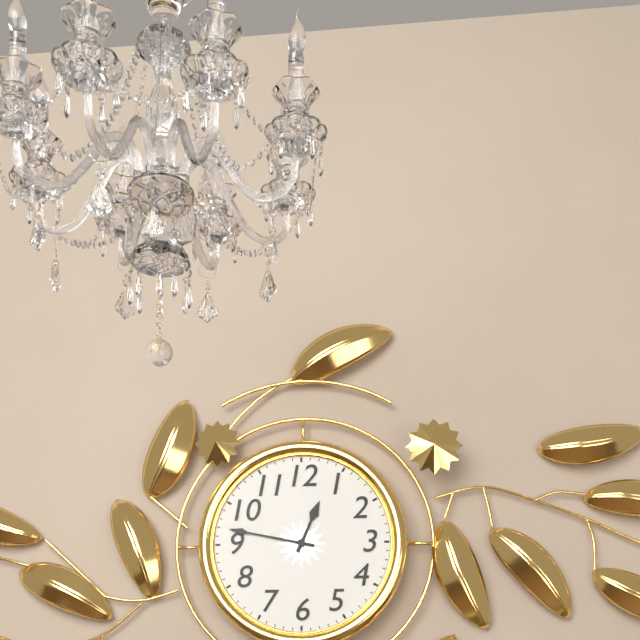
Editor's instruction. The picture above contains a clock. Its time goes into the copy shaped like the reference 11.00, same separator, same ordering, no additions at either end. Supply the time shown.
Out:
12.47
